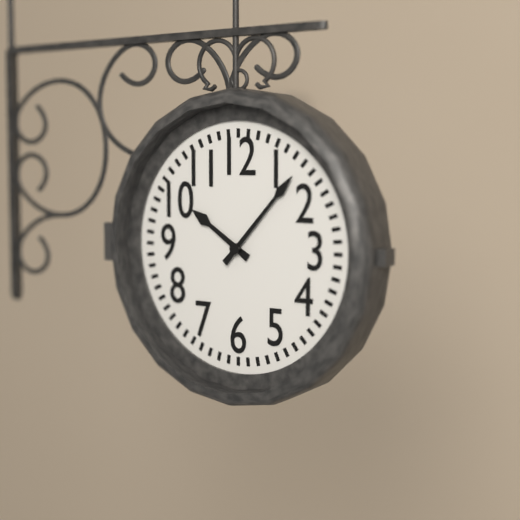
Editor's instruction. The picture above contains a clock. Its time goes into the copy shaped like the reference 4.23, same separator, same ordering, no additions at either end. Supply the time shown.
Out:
10.07
